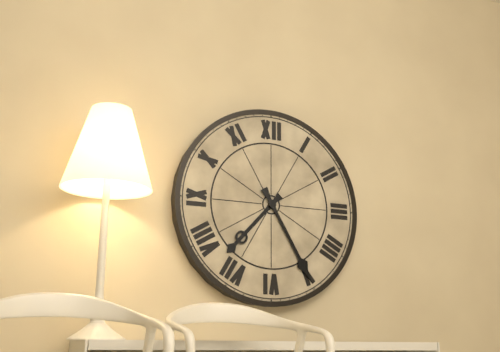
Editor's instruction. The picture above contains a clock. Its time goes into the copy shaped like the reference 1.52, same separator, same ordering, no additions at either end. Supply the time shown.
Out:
7.25
